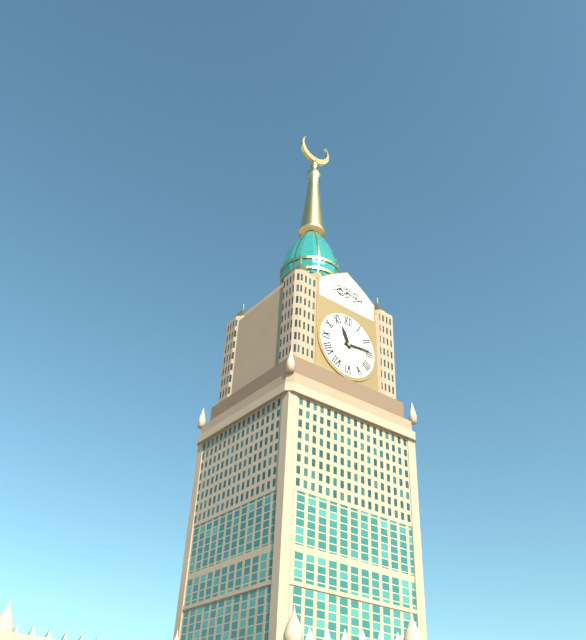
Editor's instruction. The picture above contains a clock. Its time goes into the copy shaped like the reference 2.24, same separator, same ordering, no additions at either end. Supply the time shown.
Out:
11.14
